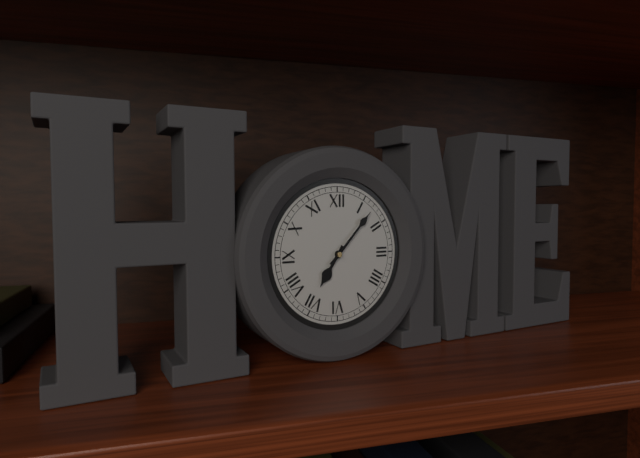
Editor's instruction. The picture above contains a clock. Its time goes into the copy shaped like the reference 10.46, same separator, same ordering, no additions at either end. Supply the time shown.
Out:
7.07
